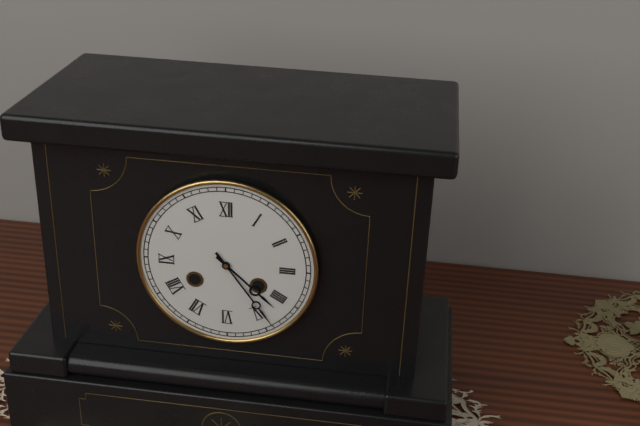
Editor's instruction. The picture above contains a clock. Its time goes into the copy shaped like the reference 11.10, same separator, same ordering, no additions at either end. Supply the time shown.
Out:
4.24
